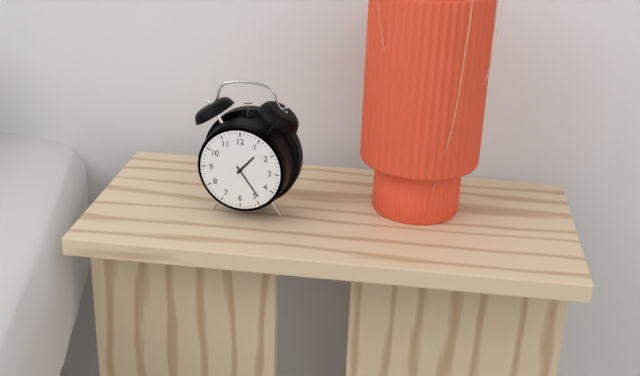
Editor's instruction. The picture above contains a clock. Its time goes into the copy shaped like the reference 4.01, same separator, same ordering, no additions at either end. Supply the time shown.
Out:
1.24
